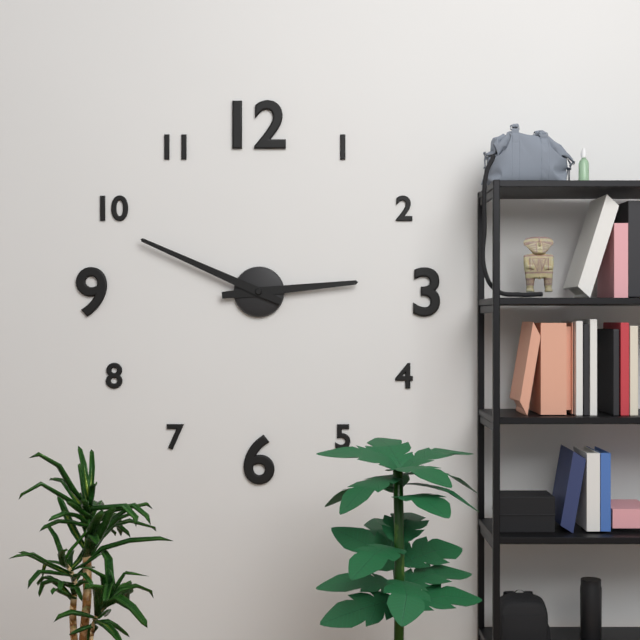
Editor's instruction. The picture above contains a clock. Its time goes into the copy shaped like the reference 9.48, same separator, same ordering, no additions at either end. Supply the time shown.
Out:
2.49
